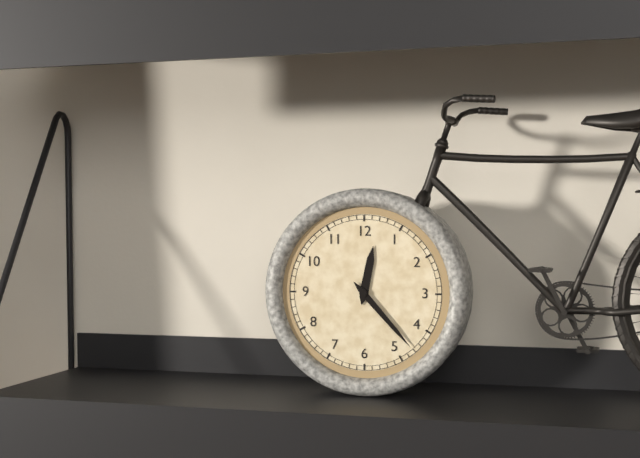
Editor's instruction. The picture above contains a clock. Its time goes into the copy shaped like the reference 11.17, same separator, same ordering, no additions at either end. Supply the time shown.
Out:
12.23
